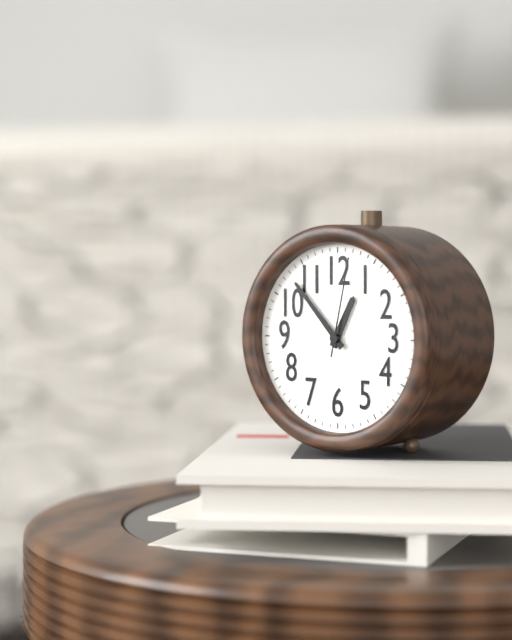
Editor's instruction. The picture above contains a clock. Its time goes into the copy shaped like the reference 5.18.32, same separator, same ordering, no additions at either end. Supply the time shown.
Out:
12.53.02
